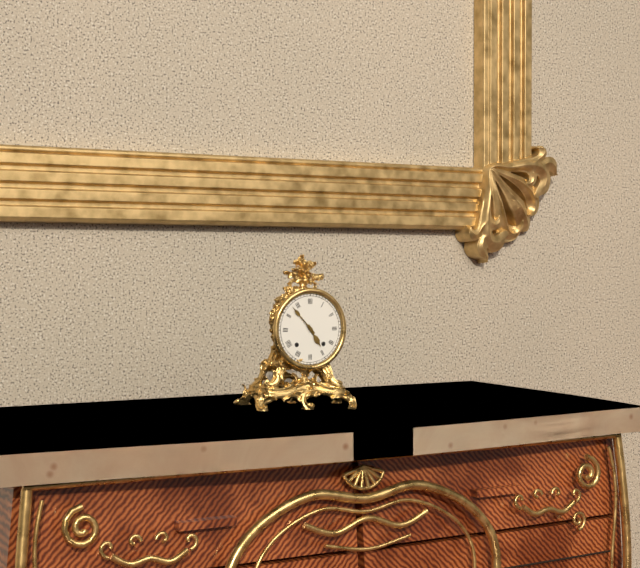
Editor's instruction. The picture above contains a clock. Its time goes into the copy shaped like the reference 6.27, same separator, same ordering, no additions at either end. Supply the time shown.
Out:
4.53
